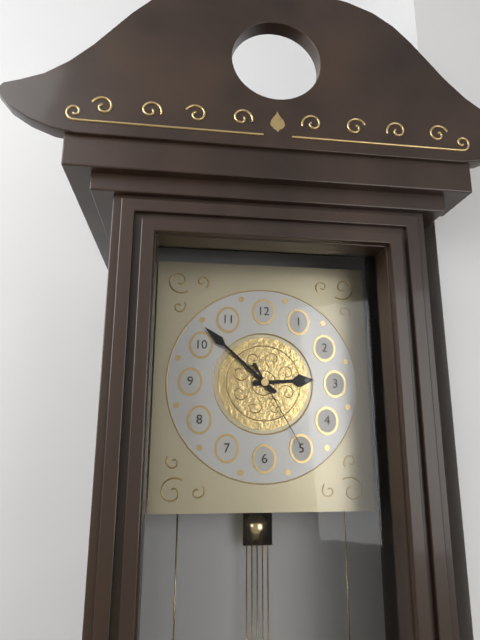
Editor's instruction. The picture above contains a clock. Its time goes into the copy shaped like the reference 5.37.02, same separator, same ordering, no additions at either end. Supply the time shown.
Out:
2.52.25
